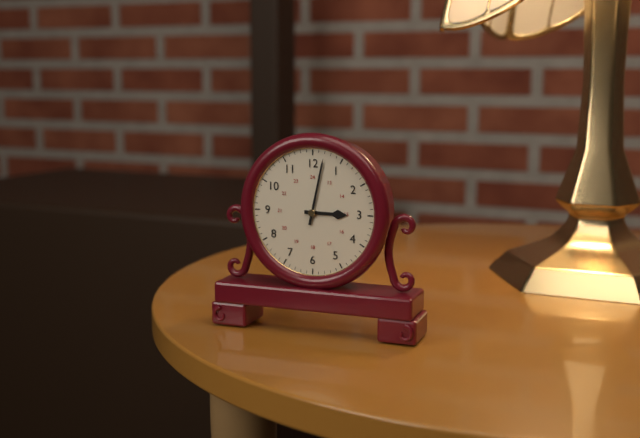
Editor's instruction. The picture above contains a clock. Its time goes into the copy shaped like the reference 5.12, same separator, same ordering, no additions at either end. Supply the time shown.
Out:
3.02
